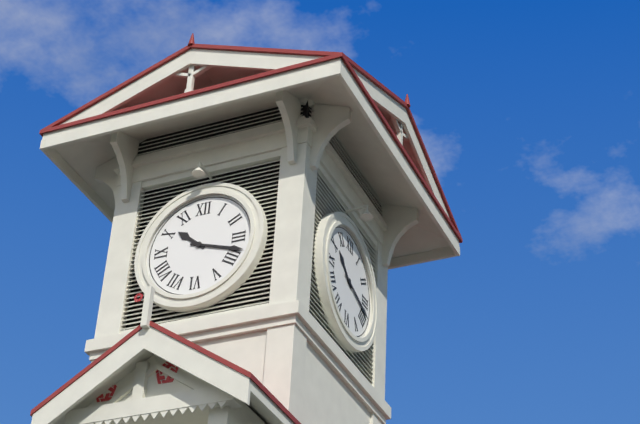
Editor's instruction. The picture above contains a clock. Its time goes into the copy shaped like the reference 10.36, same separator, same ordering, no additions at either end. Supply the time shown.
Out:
10.18
